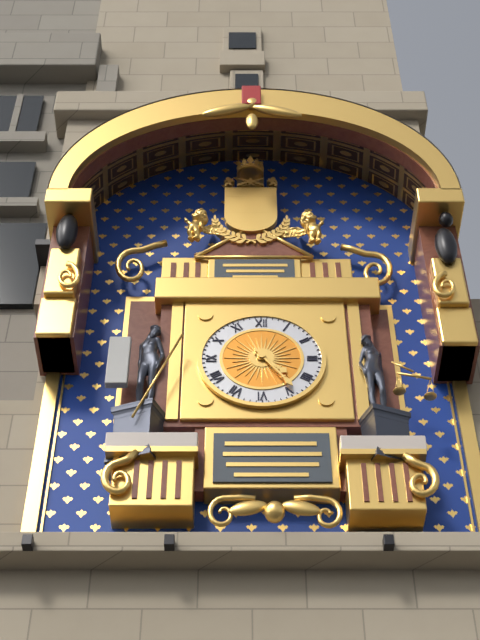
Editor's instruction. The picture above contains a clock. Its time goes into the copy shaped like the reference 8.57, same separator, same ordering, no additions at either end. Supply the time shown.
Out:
4.24
